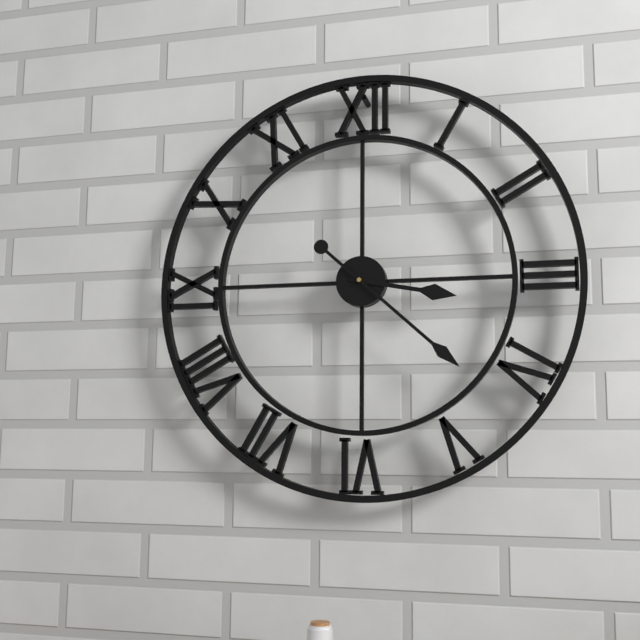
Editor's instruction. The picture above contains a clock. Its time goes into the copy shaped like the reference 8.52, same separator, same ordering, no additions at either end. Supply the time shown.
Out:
3.22
